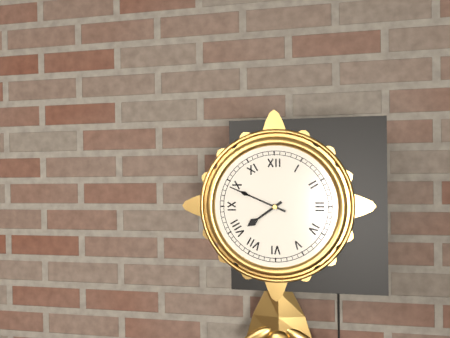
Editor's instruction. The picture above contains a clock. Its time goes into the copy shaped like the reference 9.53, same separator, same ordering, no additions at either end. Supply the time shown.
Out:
7.49
